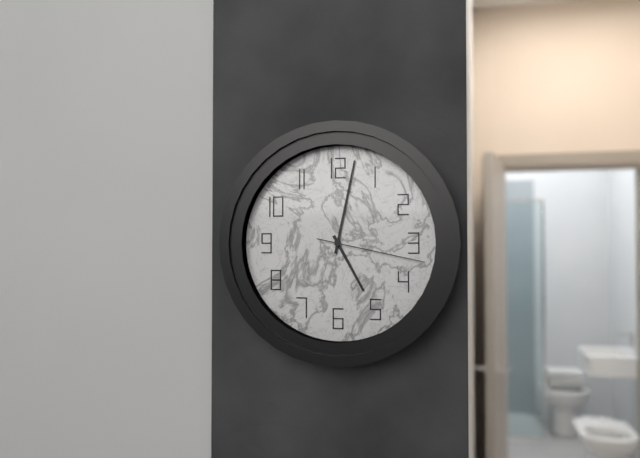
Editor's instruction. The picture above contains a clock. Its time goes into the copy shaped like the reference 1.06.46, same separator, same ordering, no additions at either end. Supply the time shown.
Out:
5.02.17
